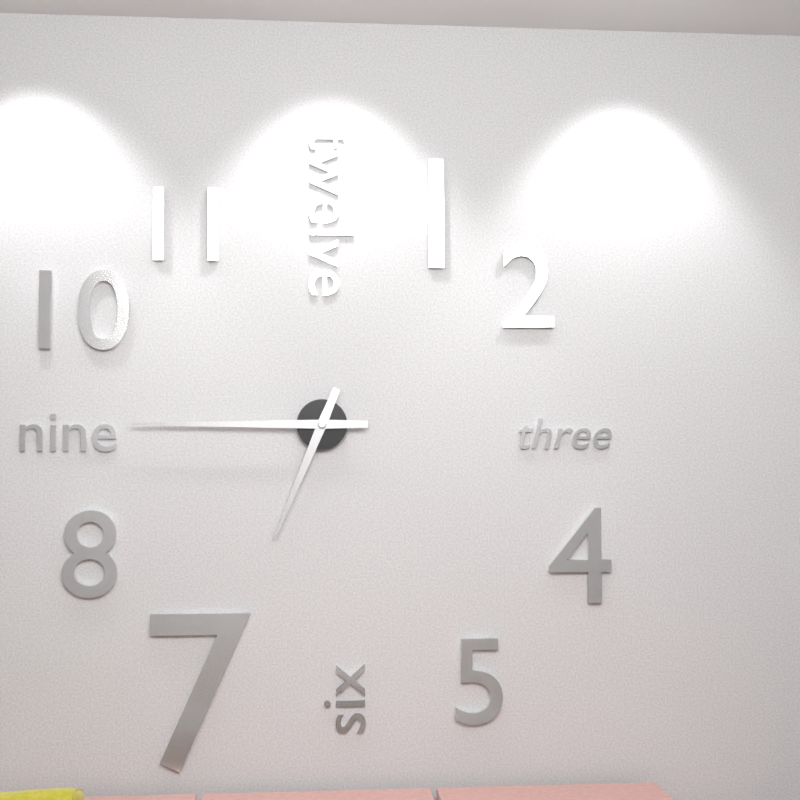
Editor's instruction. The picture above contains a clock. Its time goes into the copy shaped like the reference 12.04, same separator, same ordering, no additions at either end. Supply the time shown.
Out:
6.45
